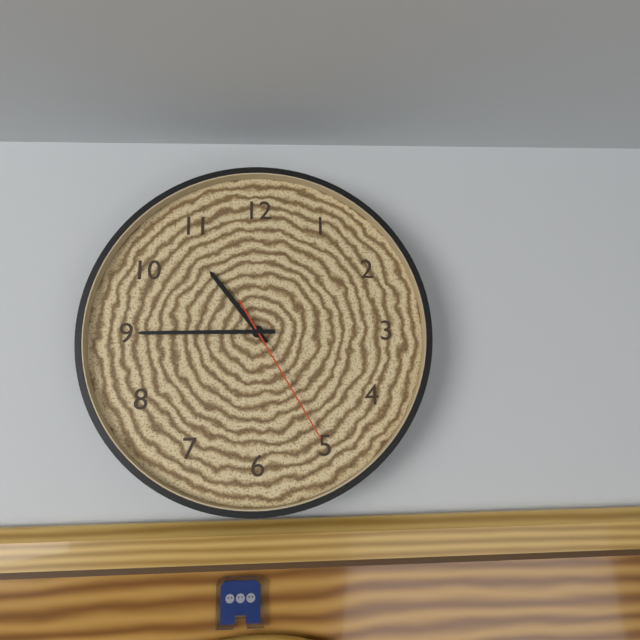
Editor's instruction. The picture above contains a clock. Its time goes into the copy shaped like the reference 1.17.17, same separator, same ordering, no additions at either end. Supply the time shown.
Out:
10.45.25
